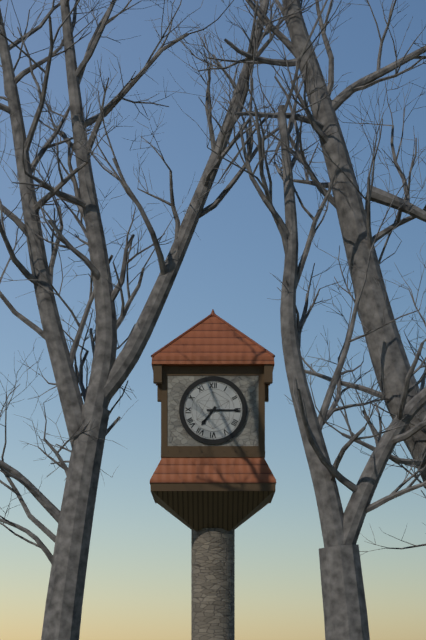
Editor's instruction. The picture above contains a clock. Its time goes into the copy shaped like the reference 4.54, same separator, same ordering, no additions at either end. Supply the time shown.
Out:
7.15
